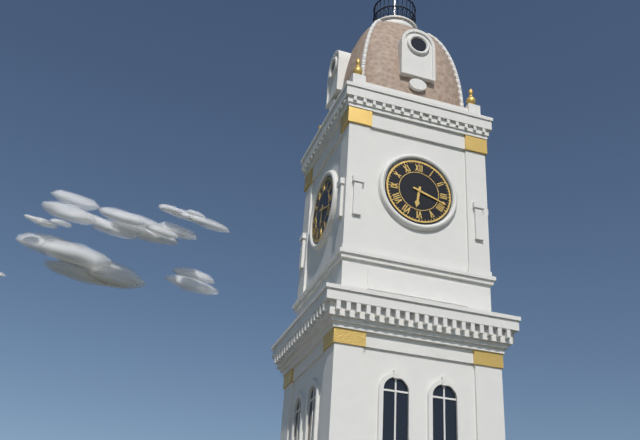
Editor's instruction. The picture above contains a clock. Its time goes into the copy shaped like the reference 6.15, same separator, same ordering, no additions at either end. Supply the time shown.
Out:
6.18
